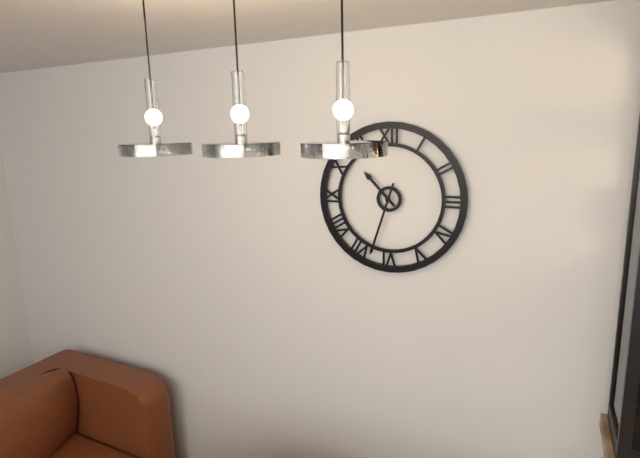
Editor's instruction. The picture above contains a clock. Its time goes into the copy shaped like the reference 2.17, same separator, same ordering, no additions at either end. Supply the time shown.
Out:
10.33
